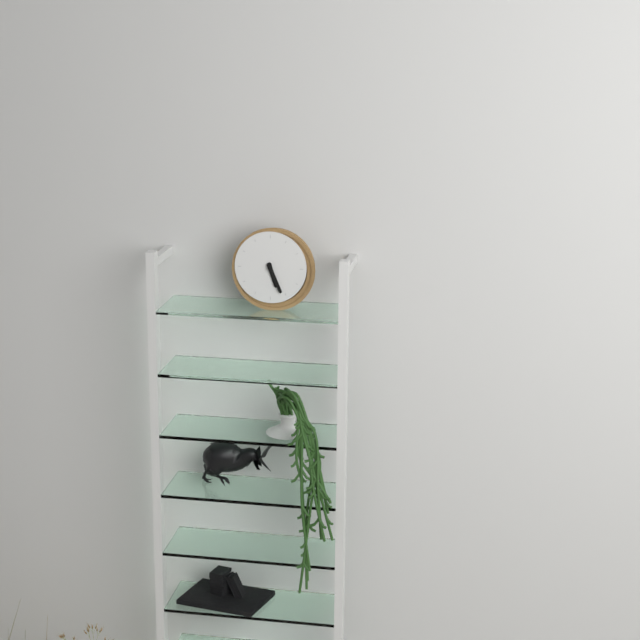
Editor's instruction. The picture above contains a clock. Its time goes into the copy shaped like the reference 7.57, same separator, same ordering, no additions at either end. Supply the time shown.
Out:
5.26
